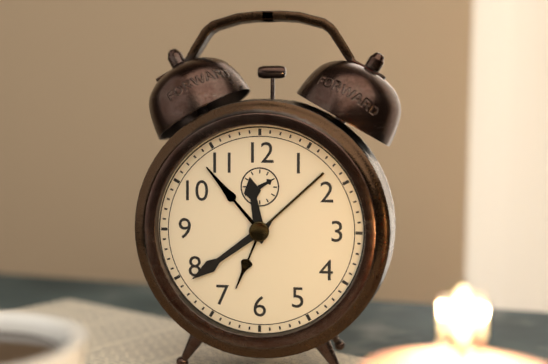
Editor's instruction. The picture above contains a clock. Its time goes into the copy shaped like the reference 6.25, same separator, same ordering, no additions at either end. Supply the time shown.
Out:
11.39
